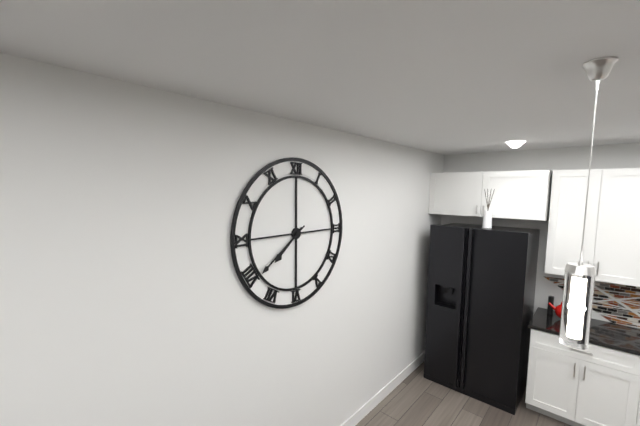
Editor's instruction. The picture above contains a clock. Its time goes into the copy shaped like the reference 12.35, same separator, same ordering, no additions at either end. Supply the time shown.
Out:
7.39
